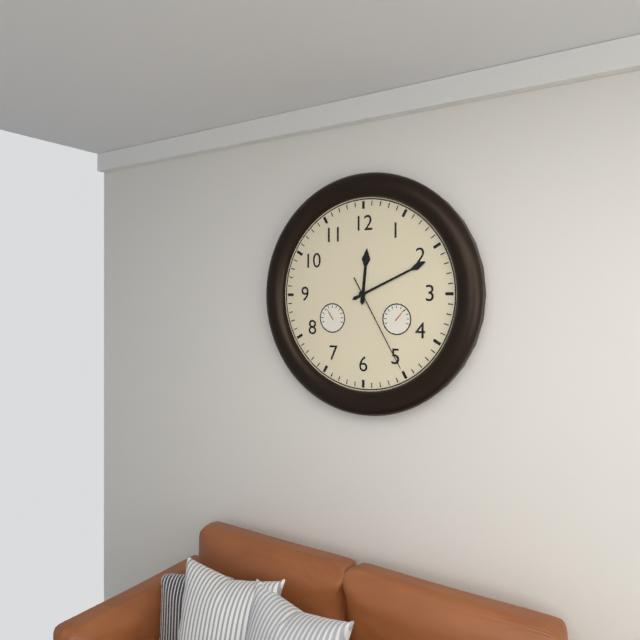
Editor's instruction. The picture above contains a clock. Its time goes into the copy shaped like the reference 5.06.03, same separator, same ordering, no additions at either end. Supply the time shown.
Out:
12.11.25
